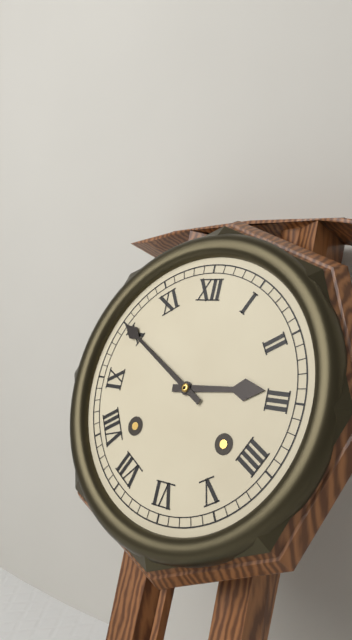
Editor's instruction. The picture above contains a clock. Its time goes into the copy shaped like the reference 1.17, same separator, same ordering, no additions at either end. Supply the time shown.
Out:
2.50
